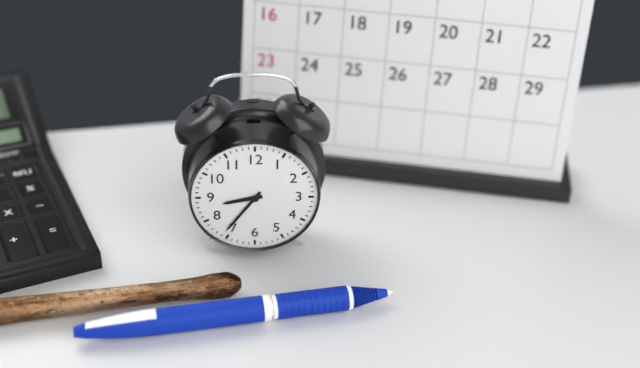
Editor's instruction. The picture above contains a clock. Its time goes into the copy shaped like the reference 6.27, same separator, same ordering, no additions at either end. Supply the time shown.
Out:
8.36
